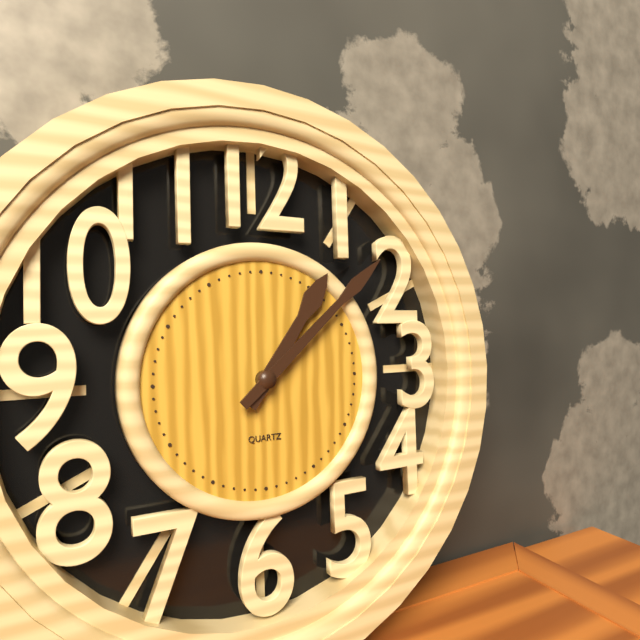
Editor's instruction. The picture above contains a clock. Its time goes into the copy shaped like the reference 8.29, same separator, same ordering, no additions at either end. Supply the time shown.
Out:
1.08
